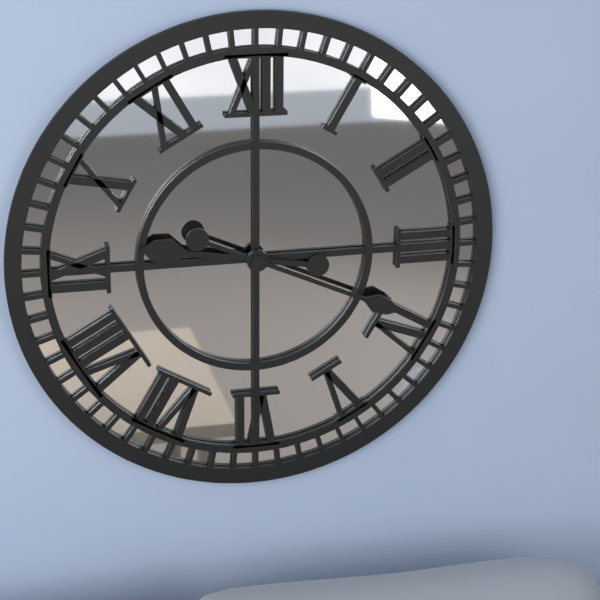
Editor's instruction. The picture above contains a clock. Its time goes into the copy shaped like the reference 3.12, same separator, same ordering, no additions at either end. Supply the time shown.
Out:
9.19
